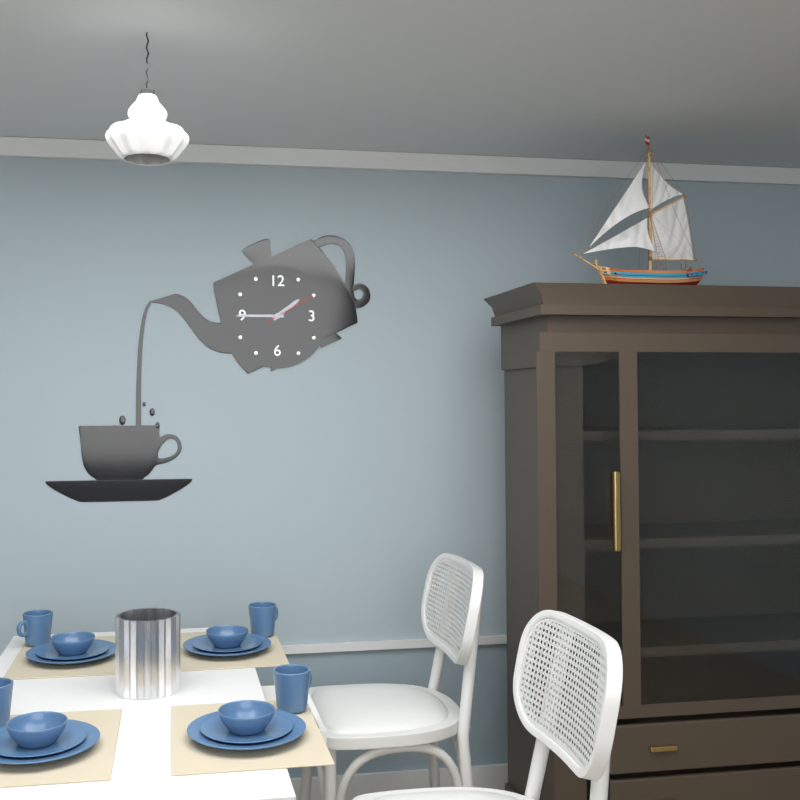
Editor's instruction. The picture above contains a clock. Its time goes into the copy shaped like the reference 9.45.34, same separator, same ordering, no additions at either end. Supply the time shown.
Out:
1.45.10
